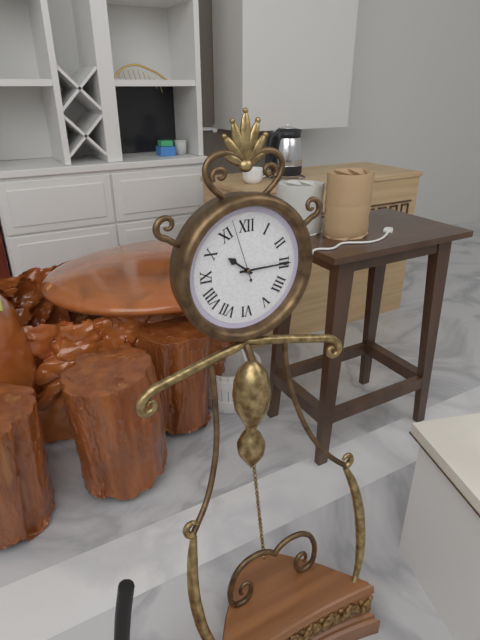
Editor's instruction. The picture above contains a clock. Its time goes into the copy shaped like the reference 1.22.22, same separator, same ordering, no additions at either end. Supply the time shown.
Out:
10.15.57
